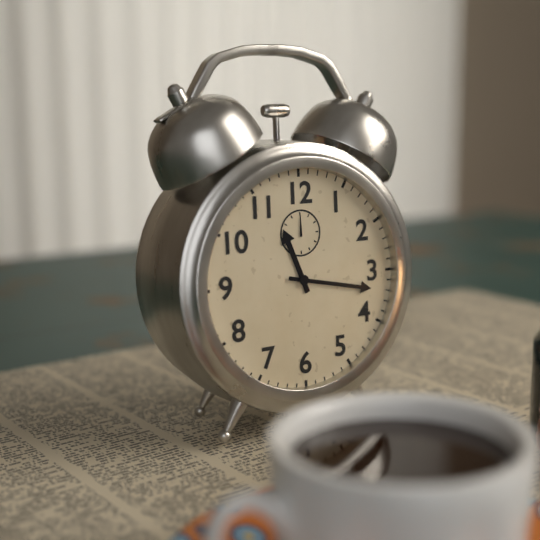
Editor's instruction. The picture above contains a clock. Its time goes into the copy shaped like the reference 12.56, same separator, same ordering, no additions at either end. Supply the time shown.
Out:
11.17
